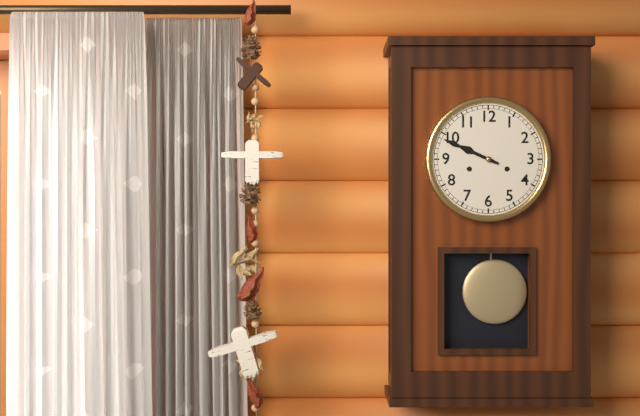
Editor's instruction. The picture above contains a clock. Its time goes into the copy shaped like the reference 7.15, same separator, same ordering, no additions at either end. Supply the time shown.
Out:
9.49
